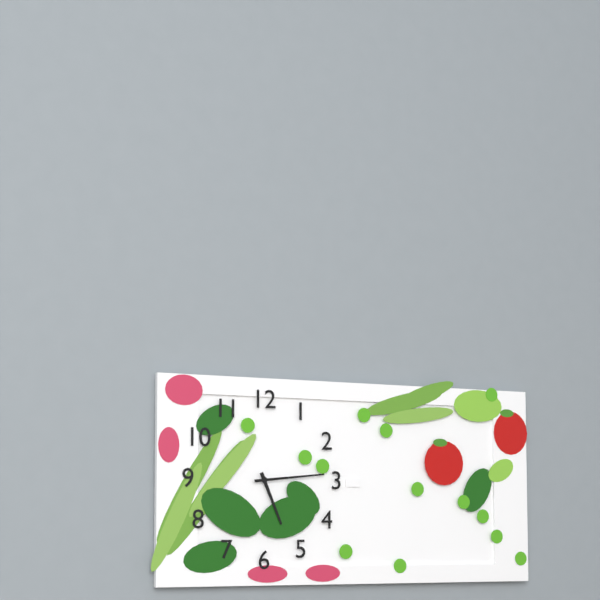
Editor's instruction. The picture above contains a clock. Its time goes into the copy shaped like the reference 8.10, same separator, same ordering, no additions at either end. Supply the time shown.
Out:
5.14
